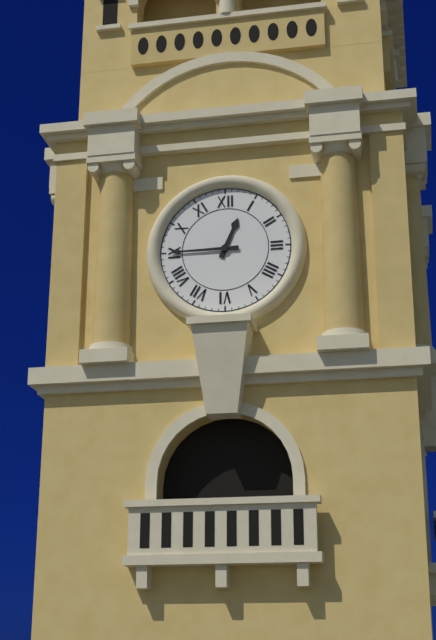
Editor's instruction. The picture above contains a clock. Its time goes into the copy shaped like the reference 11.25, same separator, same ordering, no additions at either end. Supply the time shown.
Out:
12.45
